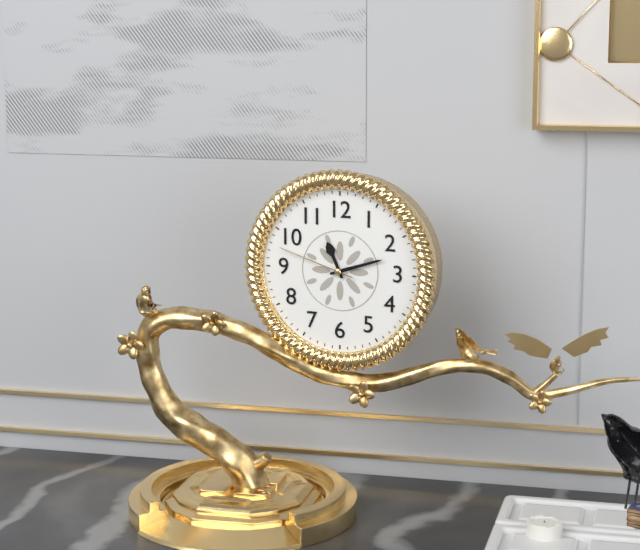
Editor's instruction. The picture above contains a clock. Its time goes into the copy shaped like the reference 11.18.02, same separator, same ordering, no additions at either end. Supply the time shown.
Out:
11.12.48
